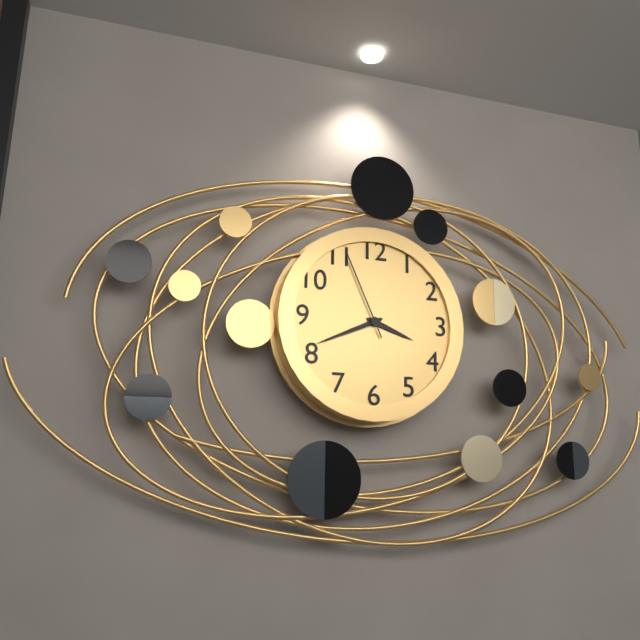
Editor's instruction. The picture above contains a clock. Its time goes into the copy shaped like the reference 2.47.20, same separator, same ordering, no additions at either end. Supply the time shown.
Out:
3.41.56
